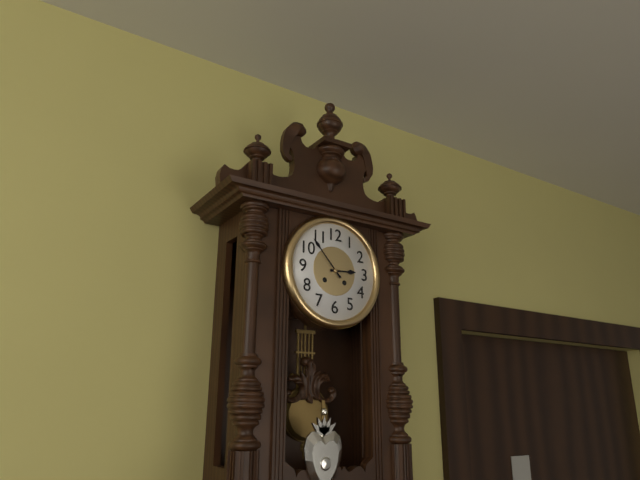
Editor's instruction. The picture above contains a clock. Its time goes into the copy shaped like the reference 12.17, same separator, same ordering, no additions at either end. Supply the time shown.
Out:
2.53
